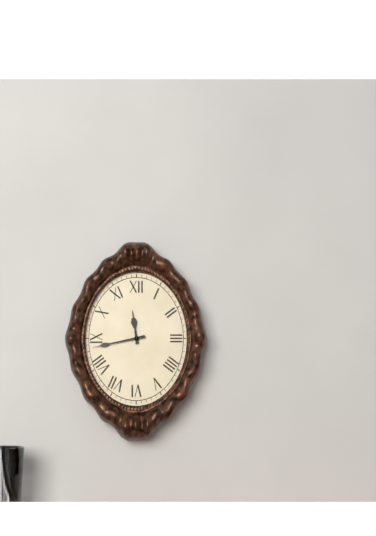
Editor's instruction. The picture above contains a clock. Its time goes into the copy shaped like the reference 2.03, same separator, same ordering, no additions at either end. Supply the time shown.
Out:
11.43
